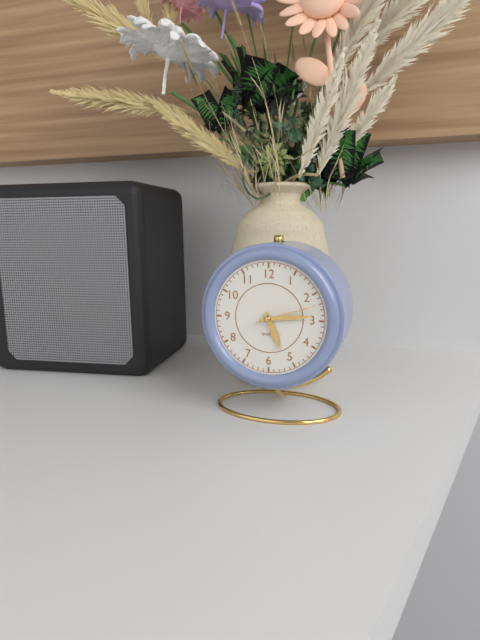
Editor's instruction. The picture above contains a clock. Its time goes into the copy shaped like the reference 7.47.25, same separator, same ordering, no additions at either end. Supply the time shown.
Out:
5.14.12
